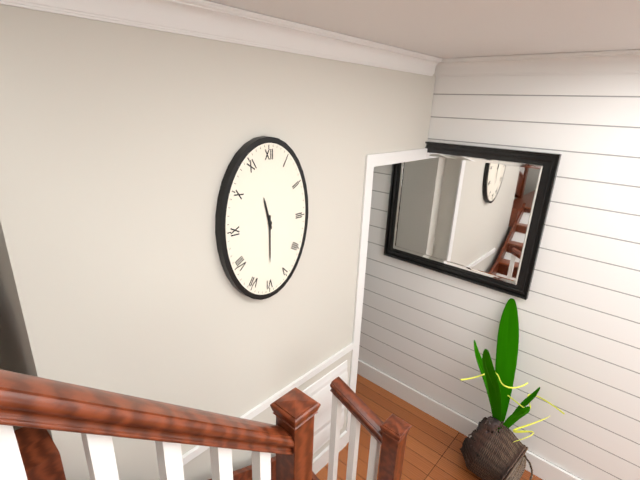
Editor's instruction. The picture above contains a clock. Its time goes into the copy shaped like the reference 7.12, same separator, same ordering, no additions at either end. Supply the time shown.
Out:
11.30
